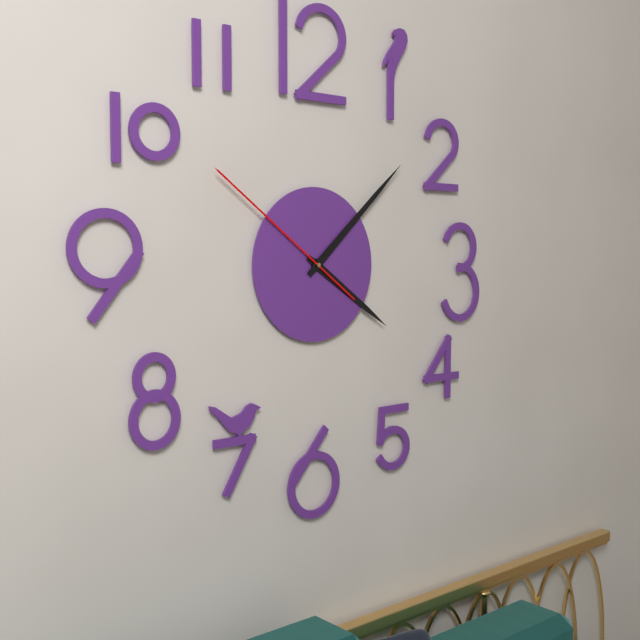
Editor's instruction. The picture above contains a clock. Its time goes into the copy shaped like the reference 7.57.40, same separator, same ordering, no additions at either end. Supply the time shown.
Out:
4.08.51
